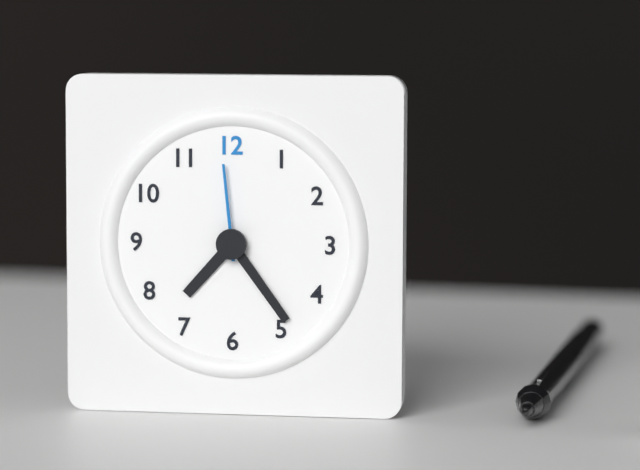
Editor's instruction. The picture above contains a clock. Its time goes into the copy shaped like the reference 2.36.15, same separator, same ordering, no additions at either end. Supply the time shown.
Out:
7.24.59
